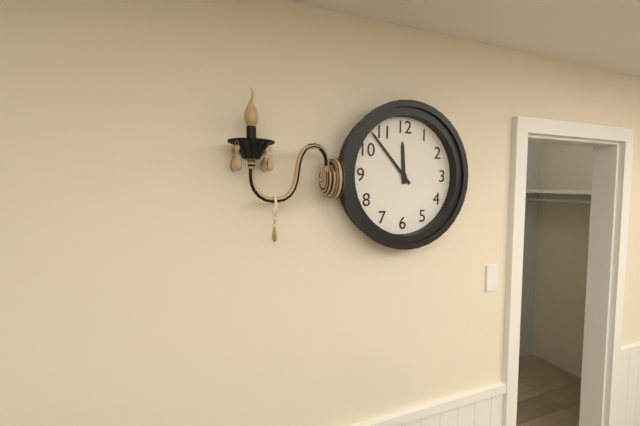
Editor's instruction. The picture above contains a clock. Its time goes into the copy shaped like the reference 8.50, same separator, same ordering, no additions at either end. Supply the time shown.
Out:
11.53
